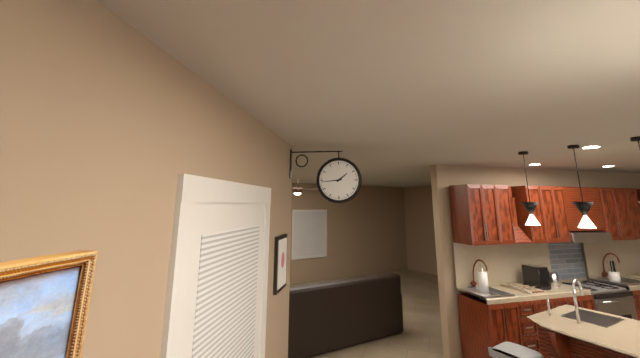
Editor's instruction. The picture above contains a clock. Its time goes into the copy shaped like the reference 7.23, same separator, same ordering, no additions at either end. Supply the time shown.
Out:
1.44
